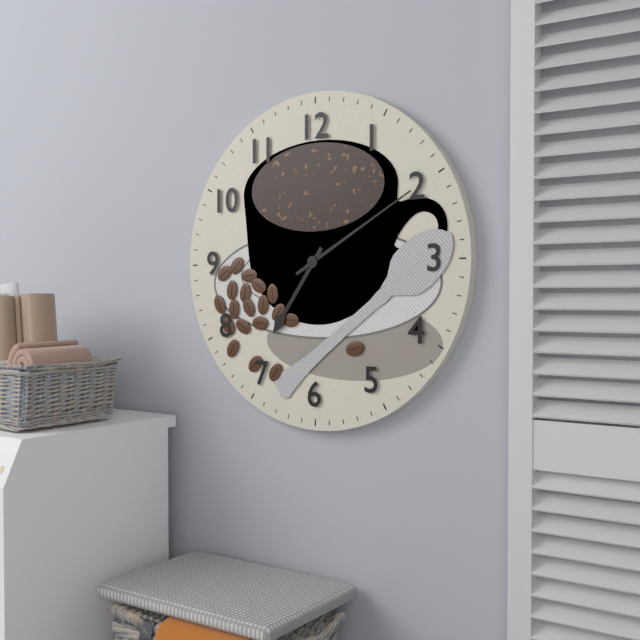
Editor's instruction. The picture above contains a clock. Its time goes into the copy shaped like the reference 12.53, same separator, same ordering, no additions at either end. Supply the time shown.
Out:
7.10
